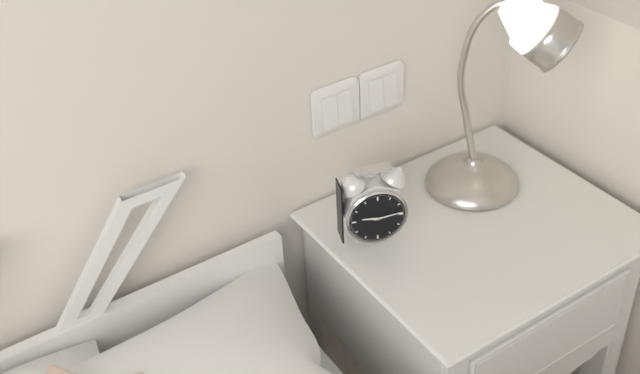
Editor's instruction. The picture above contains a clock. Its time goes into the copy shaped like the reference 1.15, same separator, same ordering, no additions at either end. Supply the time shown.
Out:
9.14
